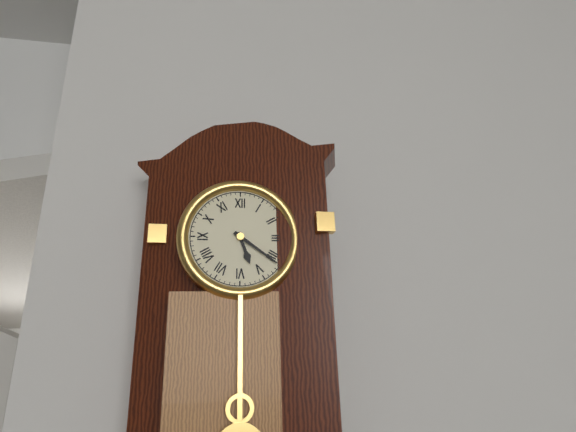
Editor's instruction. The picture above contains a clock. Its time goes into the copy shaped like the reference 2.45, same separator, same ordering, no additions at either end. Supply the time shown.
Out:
5.21
